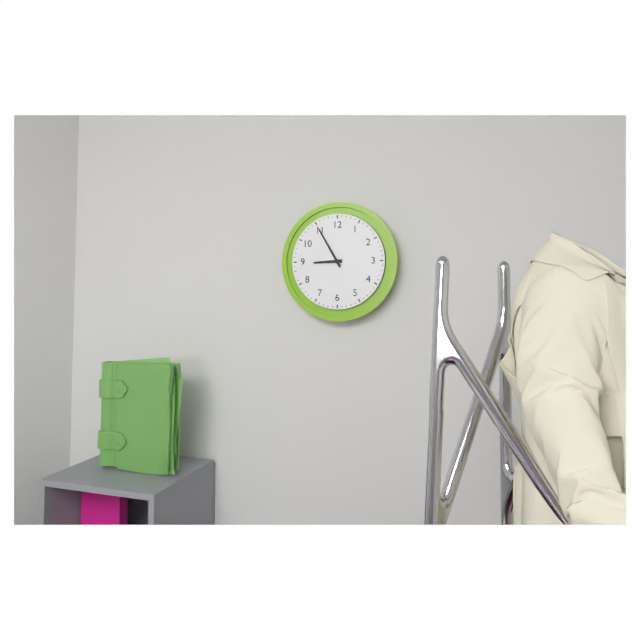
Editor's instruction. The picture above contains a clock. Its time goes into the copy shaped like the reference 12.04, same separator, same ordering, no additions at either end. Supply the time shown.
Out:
8.55
